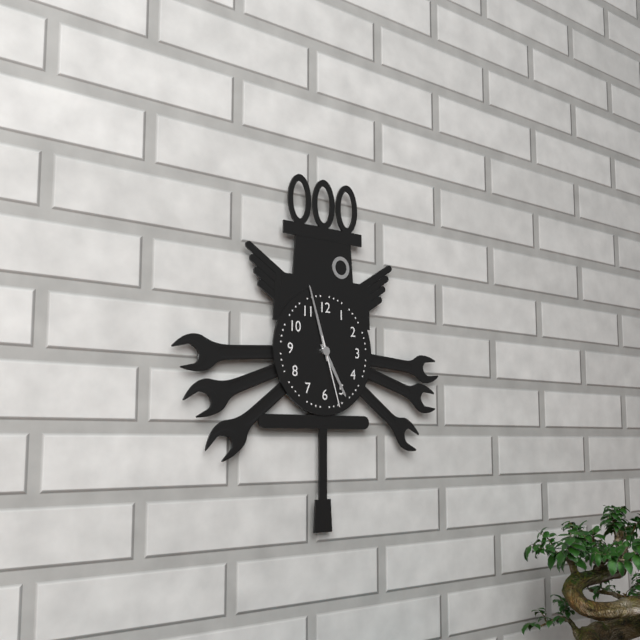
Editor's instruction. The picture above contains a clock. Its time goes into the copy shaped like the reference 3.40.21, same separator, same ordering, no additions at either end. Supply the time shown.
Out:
4.57.27
